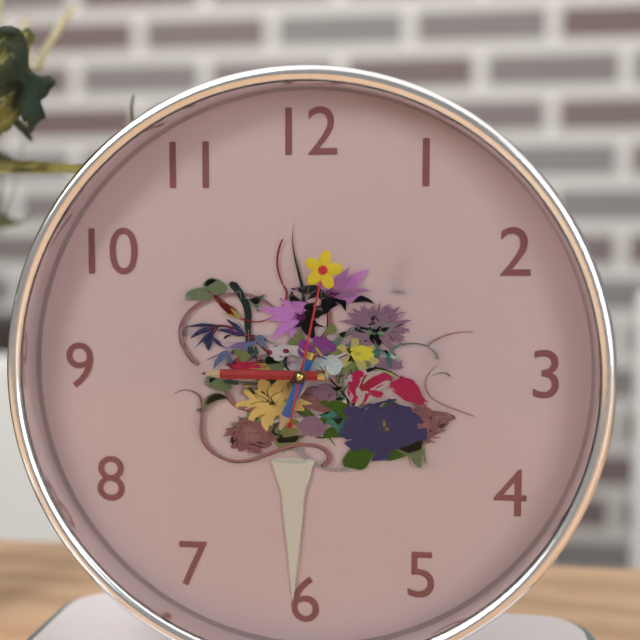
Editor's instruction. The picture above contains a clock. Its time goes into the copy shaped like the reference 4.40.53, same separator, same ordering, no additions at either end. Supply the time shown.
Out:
6.45.02
